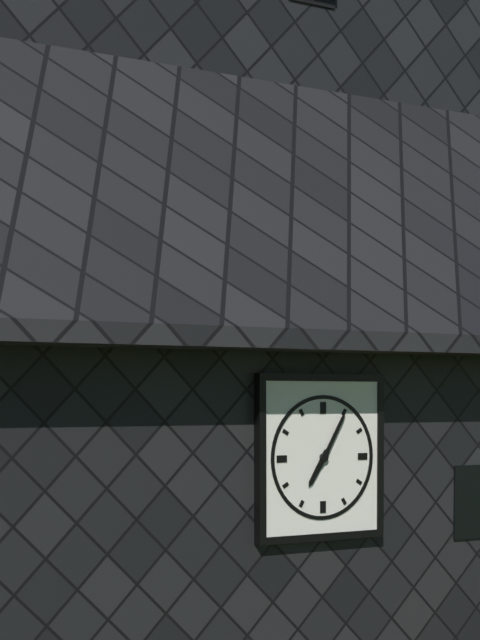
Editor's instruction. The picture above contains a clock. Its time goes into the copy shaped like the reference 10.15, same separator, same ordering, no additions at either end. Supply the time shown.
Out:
7.05
